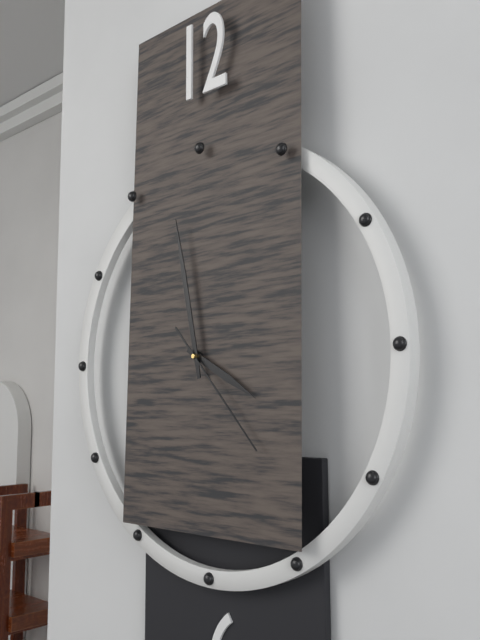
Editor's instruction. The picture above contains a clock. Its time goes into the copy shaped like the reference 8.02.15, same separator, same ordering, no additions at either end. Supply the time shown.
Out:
3.58.23
